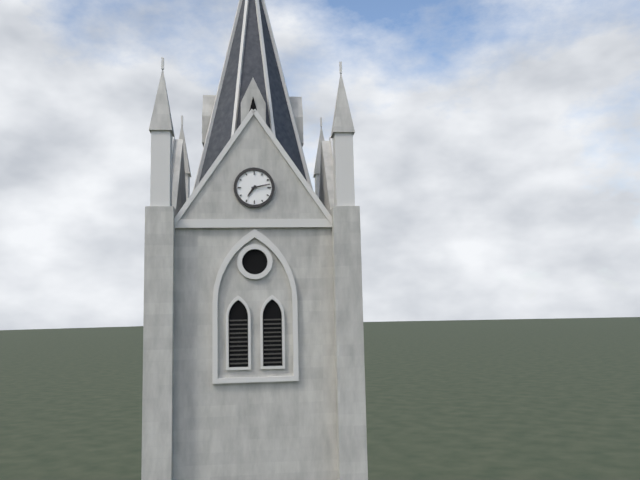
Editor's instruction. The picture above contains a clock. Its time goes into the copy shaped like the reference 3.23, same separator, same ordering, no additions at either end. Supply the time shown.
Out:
7.13
